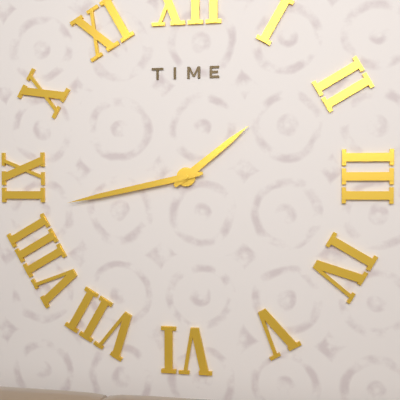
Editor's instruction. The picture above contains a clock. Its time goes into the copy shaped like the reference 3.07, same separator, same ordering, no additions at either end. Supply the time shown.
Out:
1.43
